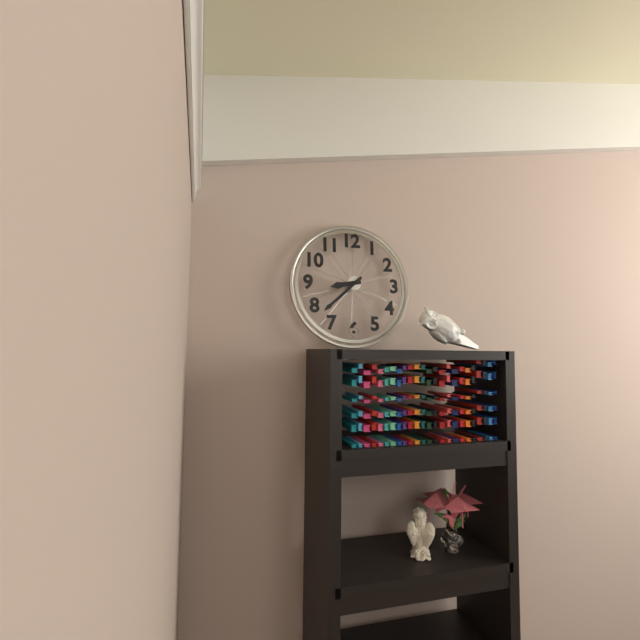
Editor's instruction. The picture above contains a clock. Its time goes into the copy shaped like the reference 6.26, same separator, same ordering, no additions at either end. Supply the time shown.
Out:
8.38
